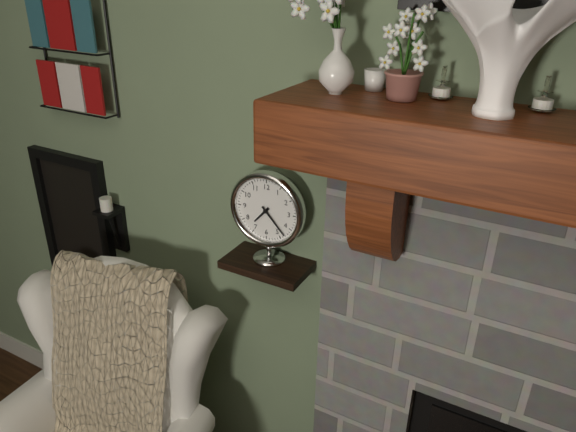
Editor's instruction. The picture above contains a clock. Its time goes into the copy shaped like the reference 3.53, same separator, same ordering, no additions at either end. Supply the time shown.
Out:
7.23
